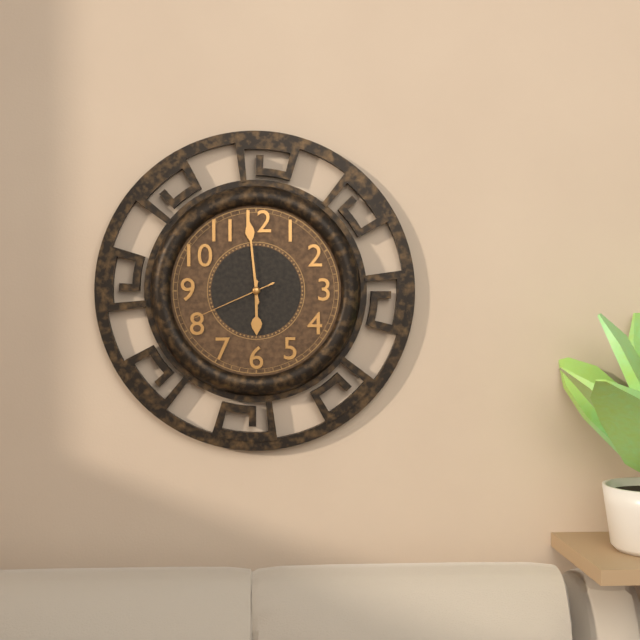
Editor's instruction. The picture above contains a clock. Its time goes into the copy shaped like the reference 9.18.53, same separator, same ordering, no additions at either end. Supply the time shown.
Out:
5.59.41
